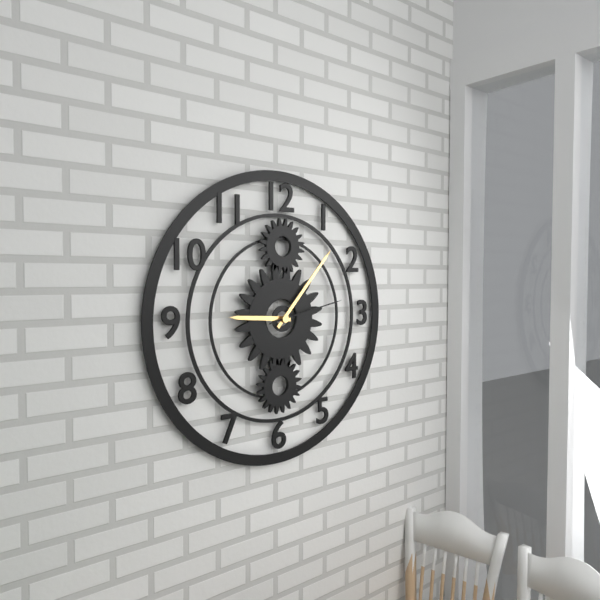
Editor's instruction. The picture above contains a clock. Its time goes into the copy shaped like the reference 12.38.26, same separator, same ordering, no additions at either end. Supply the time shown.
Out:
9.07.13
